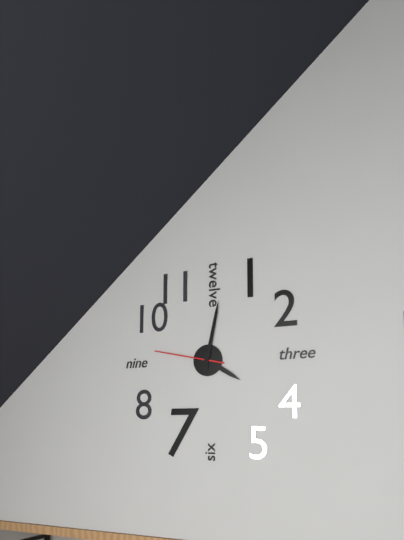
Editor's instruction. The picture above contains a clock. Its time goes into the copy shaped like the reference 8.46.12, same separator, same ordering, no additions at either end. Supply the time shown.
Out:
4.02.47
